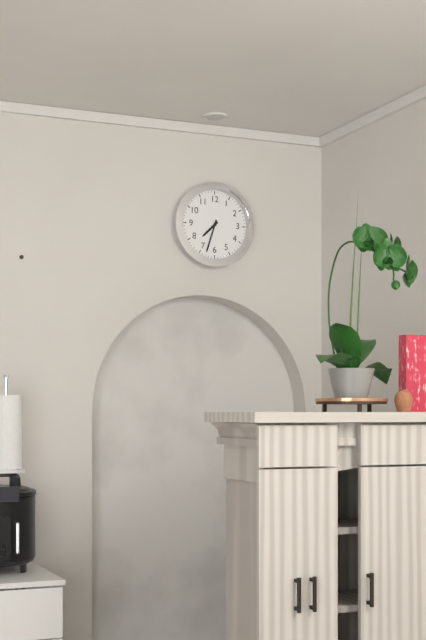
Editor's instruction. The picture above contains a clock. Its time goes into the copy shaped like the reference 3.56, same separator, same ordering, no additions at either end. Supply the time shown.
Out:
7.33
